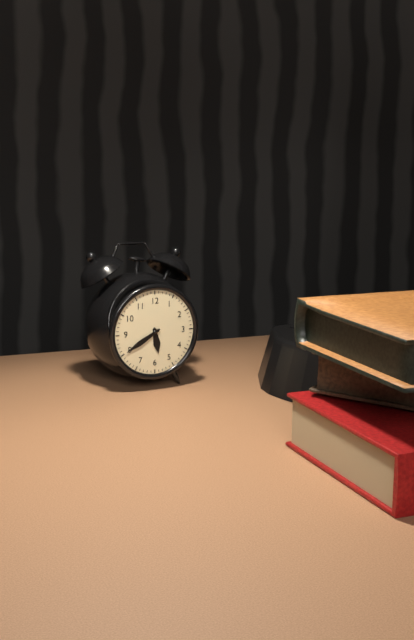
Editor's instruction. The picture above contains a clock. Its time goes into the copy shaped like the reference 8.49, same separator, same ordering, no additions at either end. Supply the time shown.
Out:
5.40
